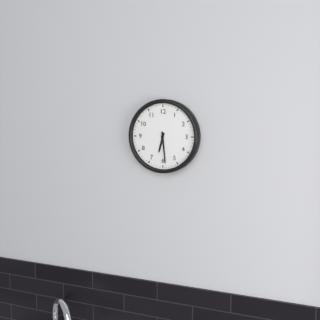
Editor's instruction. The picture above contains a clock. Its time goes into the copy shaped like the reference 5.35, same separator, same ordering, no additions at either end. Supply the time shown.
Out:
6.29
